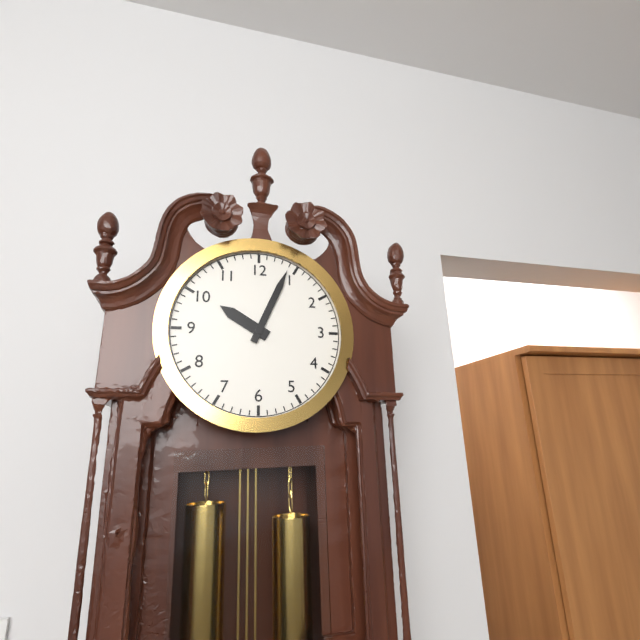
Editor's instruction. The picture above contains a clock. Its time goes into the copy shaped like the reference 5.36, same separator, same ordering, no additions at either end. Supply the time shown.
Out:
10.04
